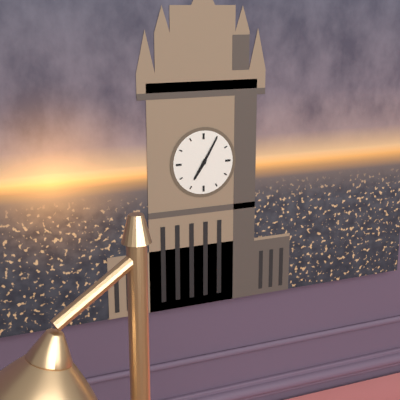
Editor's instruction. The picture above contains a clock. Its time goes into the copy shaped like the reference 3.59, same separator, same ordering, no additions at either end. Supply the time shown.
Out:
7.05
